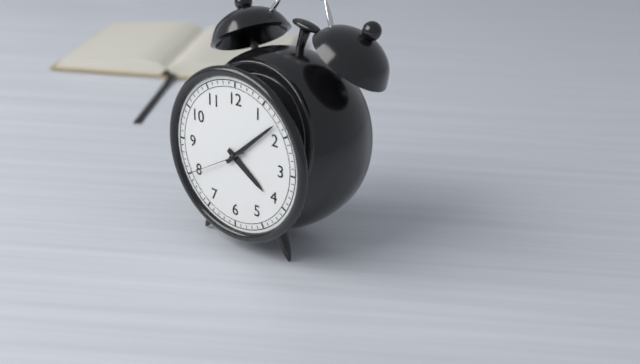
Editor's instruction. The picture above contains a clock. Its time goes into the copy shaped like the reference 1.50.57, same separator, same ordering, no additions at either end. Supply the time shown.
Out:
4.08.40
